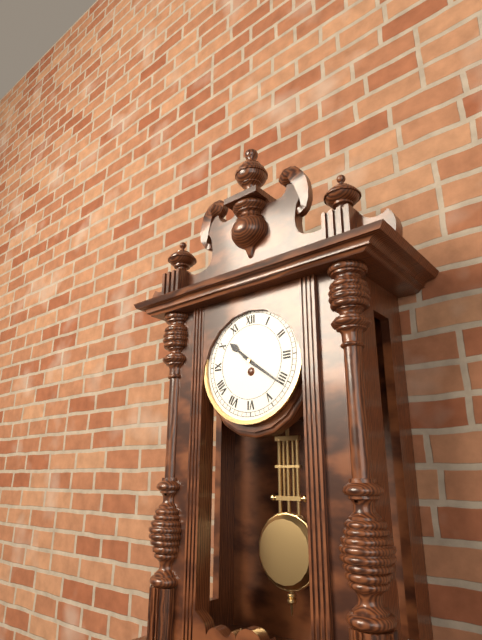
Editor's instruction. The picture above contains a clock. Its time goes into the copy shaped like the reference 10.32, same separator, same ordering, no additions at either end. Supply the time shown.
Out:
10.21
